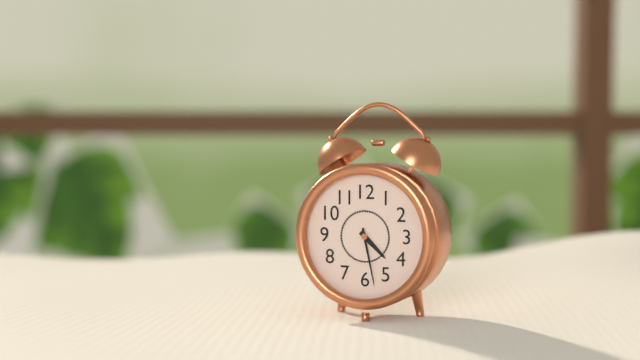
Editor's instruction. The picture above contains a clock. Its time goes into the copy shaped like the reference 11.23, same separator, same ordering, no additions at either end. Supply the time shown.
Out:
4.28
